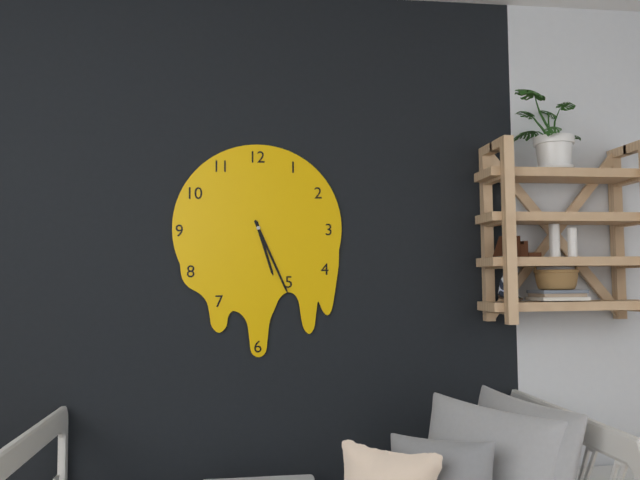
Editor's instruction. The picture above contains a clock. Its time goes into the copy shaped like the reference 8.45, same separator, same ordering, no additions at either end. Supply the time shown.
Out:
5.26
